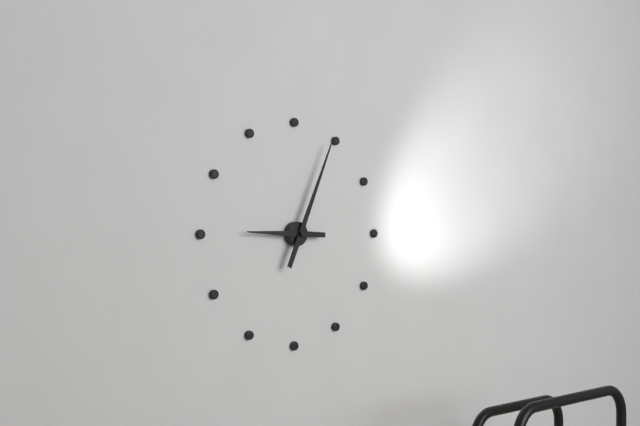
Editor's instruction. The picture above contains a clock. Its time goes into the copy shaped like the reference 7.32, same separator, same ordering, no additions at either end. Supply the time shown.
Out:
9.04
